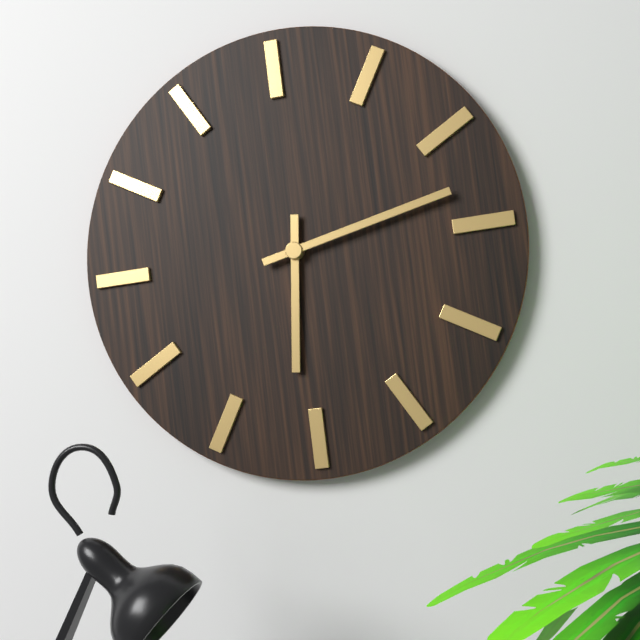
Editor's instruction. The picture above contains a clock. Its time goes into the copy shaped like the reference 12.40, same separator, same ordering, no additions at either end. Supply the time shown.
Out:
6.13
